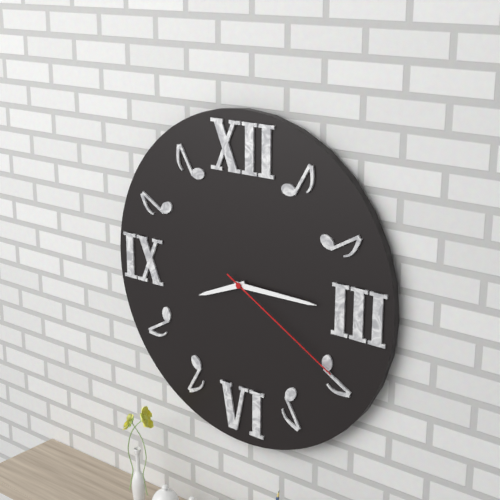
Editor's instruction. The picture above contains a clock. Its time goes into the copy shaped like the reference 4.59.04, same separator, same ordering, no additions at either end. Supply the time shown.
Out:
8.15.20
